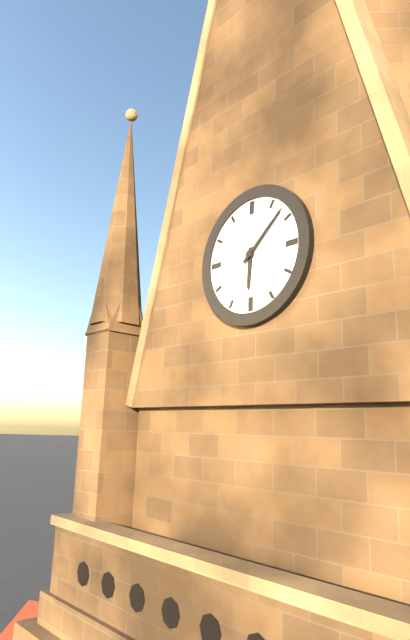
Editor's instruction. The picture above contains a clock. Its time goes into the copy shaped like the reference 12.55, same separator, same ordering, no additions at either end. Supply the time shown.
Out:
6.08
